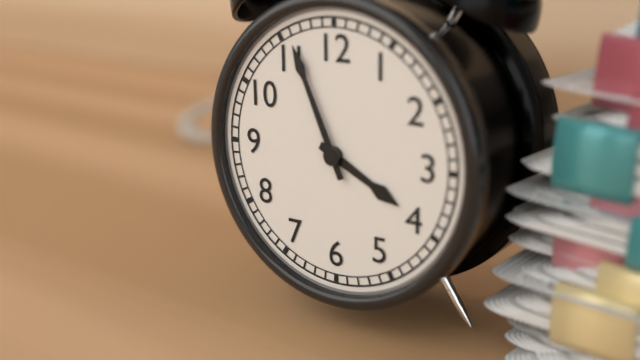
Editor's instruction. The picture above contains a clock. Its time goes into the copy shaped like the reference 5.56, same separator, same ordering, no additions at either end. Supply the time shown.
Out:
3.56
